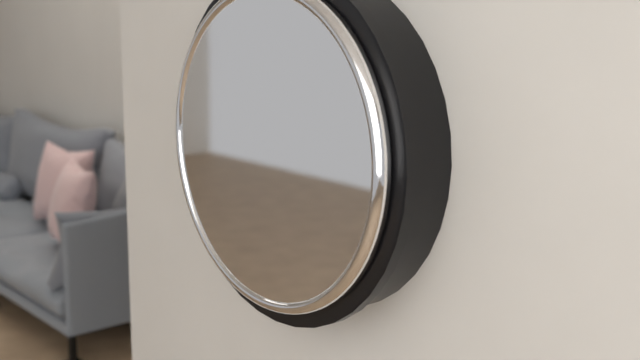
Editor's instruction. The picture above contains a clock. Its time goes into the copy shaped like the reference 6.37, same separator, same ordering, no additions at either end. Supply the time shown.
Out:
12.40
